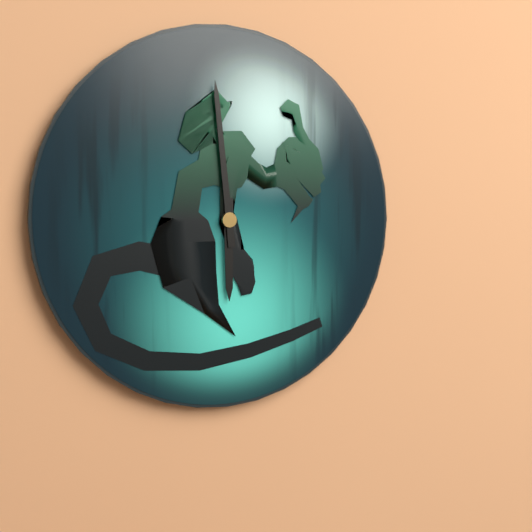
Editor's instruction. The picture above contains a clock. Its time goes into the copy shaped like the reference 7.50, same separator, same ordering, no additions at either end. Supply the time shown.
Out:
5.59
